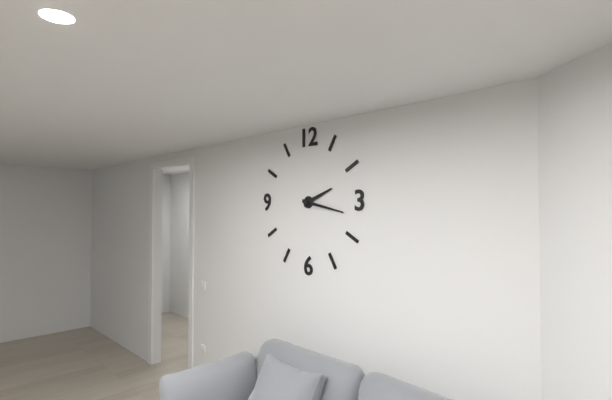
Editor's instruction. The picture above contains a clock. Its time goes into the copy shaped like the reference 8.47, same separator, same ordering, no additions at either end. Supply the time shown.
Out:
2.17
